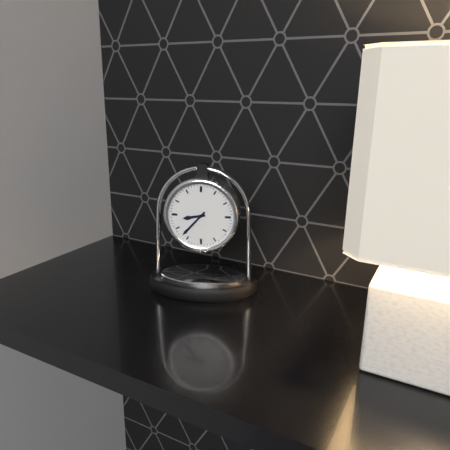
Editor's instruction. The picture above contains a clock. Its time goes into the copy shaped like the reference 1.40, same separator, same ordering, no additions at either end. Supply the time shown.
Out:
8.37
